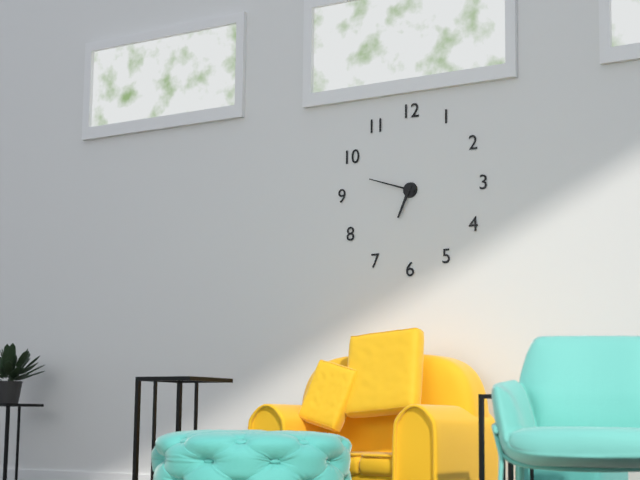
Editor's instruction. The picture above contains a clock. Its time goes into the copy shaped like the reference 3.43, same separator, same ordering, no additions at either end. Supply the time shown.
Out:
6.48
